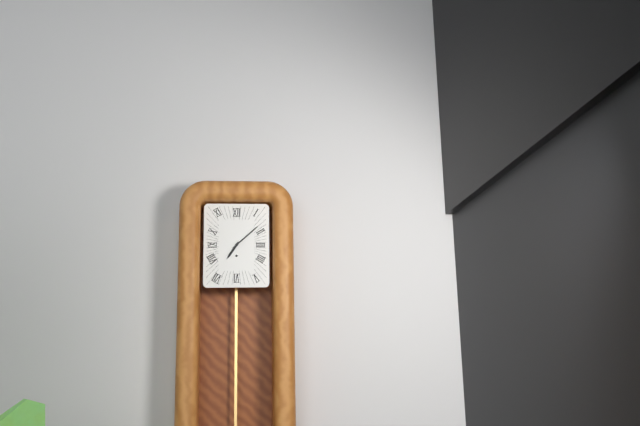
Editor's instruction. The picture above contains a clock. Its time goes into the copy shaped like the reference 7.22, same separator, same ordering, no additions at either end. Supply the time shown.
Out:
7.08
